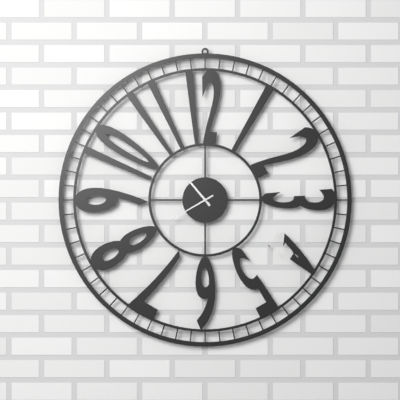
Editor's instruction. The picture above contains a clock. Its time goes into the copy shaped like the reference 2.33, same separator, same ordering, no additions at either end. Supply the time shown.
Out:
10.40
